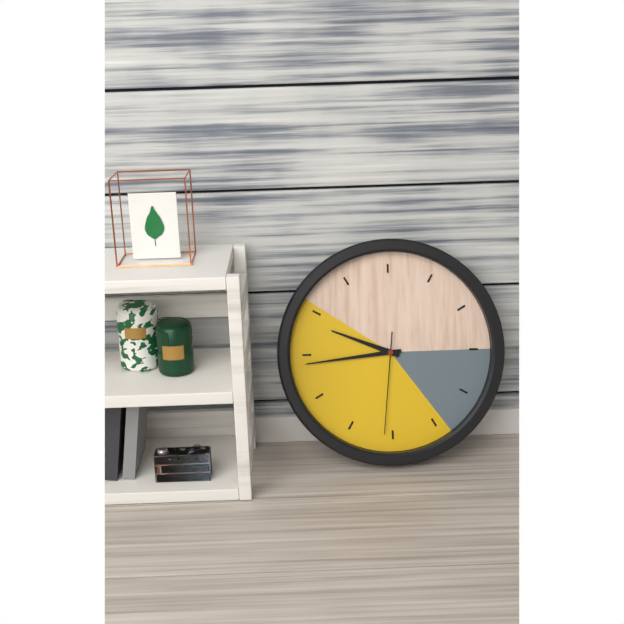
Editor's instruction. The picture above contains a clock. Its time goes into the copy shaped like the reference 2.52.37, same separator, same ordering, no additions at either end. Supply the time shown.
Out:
9.44.31
